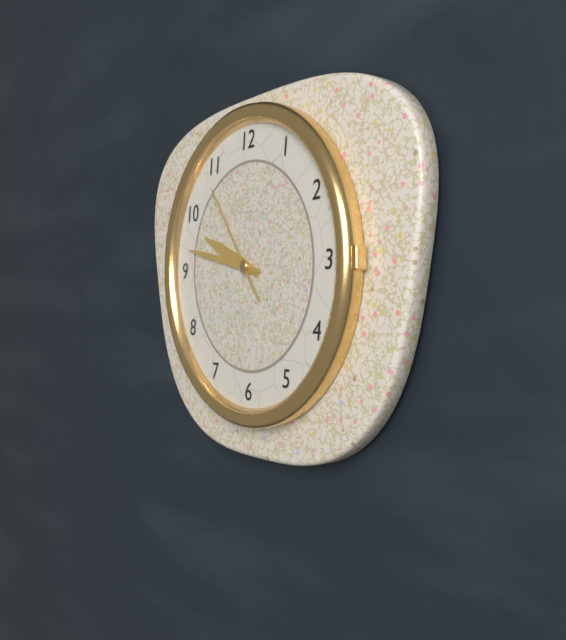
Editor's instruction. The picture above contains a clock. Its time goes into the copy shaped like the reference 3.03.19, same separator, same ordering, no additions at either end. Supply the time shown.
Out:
9.47.54
